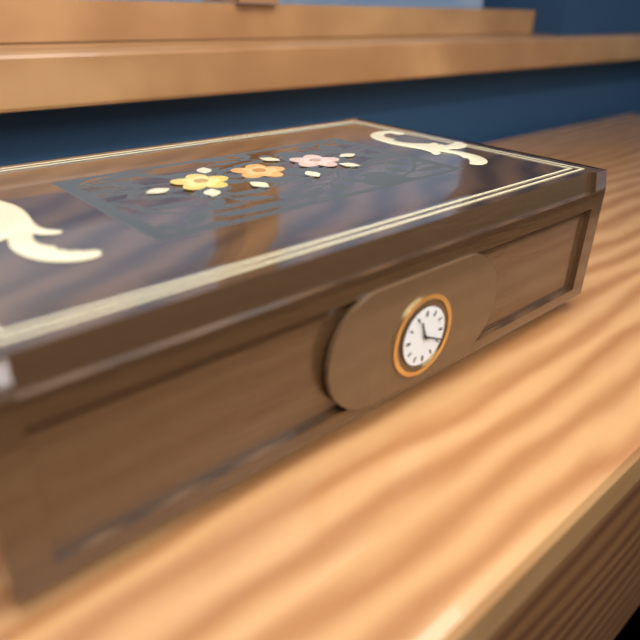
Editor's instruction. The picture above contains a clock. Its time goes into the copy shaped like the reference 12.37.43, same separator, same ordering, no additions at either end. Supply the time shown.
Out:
11.19.55
